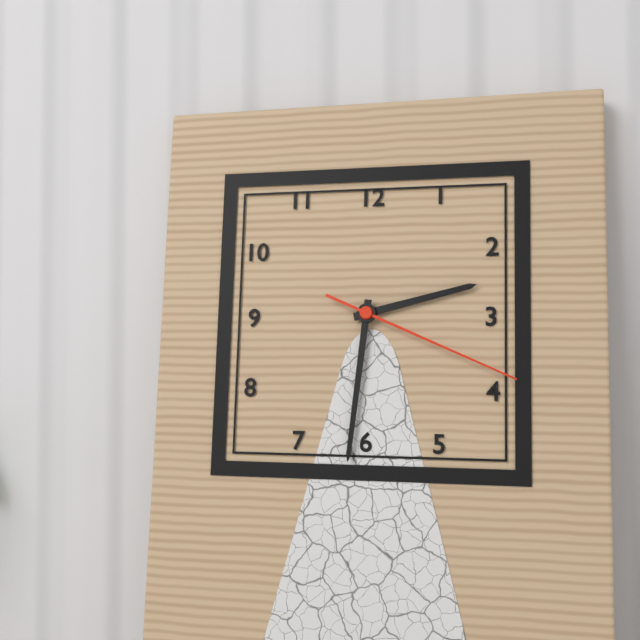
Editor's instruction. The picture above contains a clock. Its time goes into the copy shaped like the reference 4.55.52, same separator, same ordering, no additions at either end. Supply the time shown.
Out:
2.31.19
